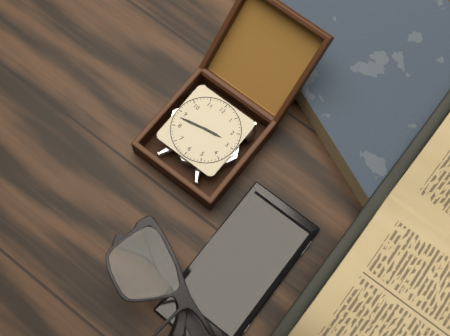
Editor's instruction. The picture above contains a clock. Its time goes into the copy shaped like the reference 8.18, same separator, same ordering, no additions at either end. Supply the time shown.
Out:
2.43
